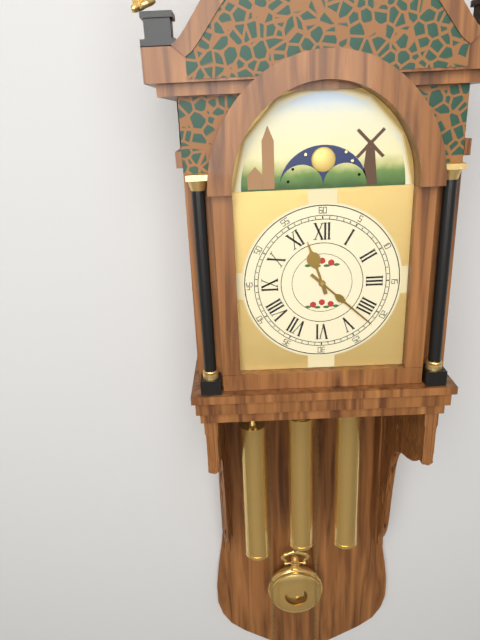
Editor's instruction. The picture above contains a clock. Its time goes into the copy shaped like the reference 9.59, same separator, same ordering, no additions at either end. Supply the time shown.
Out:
11.22
